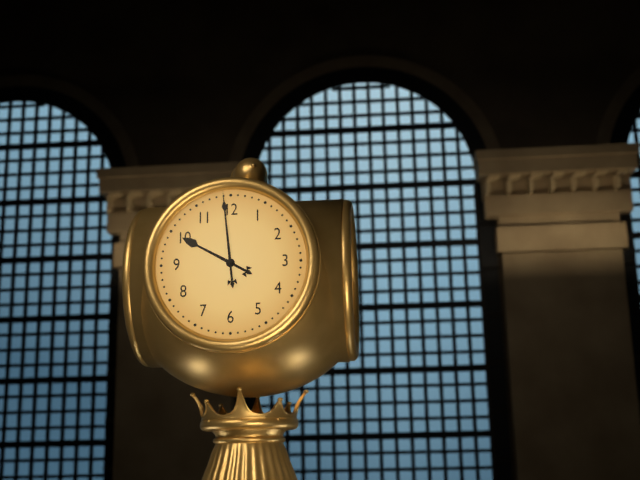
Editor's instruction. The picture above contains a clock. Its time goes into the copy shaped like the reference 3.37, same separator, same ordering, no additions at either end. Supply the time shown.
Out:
9.59
